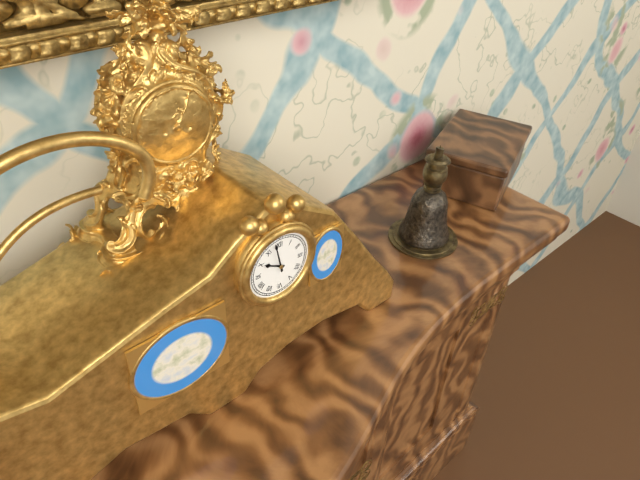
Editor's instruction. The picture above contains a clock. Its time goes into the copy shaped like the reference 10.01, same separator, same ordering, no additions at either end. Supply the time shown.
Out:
9.58
